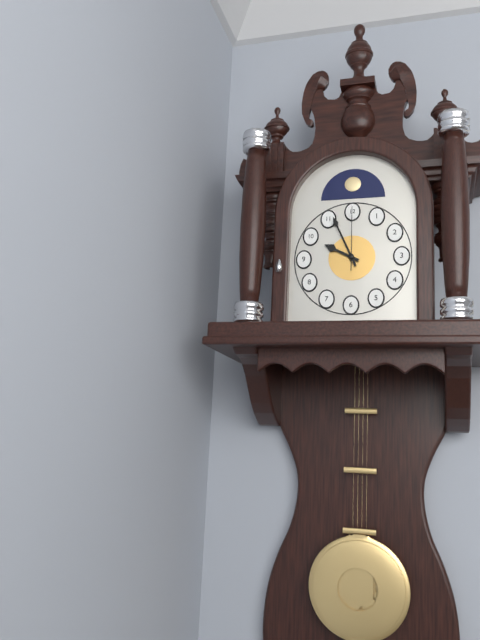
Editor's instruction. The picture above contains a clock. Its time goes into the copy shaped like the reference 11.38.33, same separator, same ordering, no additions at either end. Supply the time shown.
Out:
9.56.00
